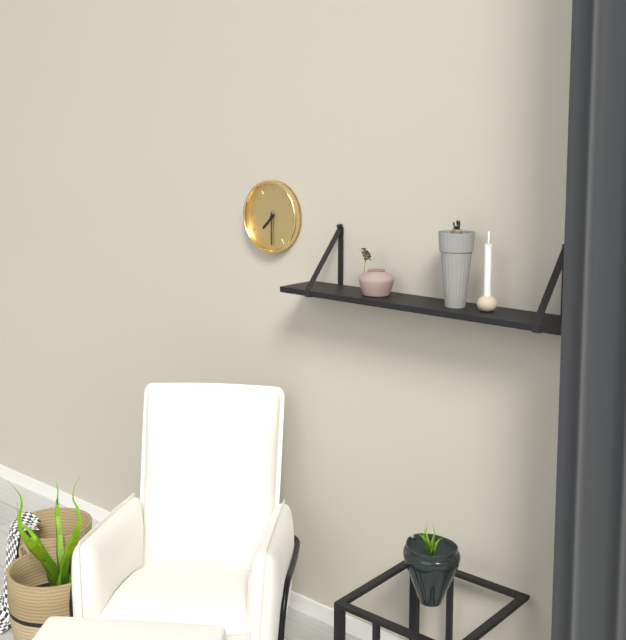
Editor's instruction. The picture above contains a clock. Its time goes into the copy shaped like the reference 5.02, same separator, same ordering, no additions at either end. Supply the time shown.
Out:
7.30
